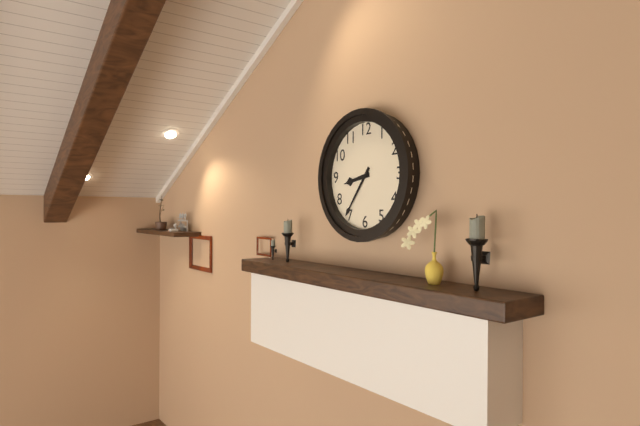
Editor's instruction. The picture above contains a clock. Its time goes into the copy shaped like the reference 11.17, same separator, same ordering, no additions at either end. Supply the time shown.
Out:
8.36
